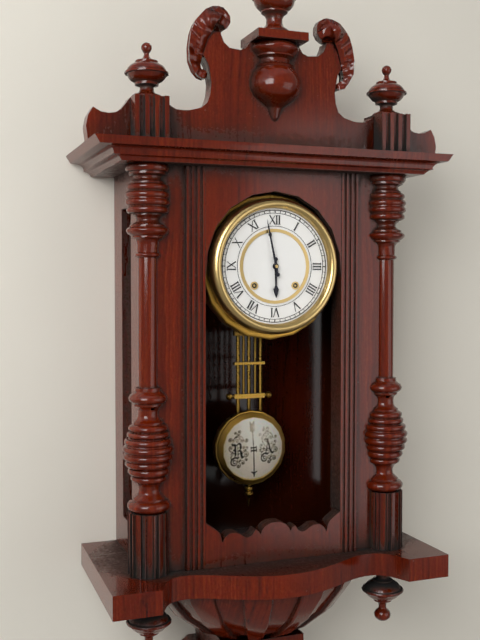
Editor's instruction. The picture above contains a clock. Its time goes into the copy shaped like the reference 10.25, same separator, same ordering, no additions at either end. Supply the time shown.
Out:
5.58
